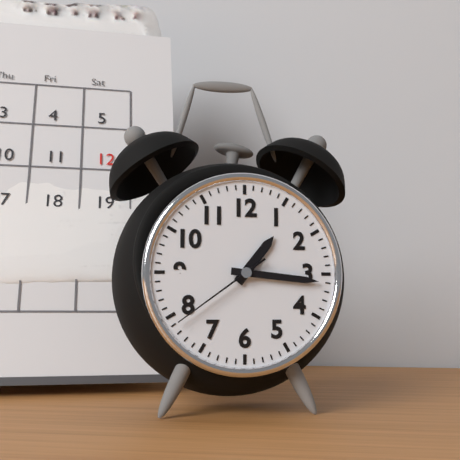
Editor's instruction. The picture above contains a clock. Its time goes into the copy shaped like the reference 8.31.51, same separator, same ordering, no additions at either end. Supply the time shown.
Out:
1.16.39
